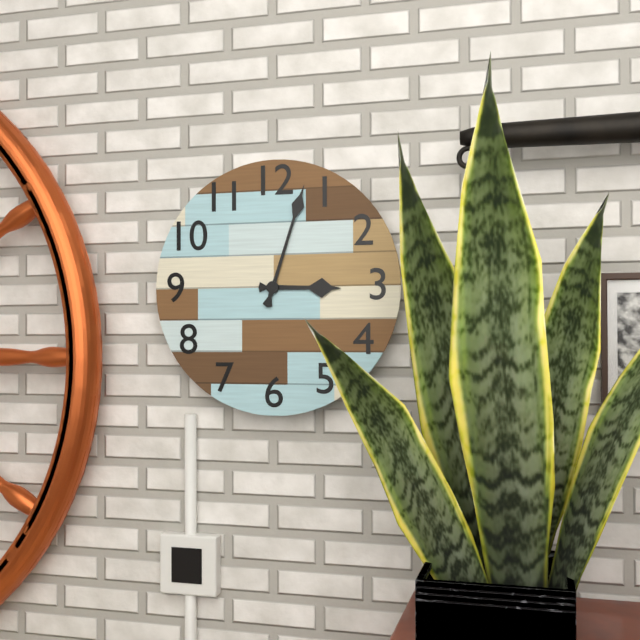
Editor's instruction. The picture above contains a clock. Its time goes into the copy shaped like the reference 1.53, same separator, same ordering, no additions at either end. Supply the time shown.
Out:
3.03
